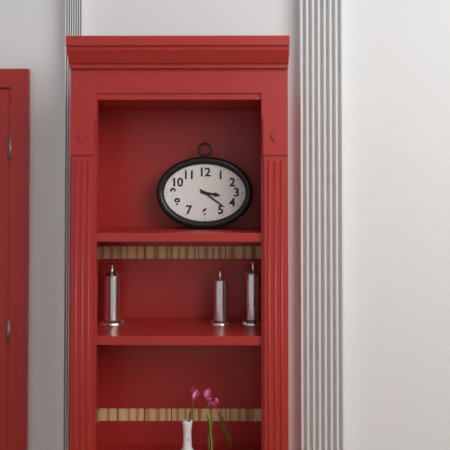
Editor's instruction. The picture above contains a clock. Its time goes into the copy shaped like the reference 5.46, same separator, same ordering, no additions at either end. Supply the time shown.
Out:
3.21
